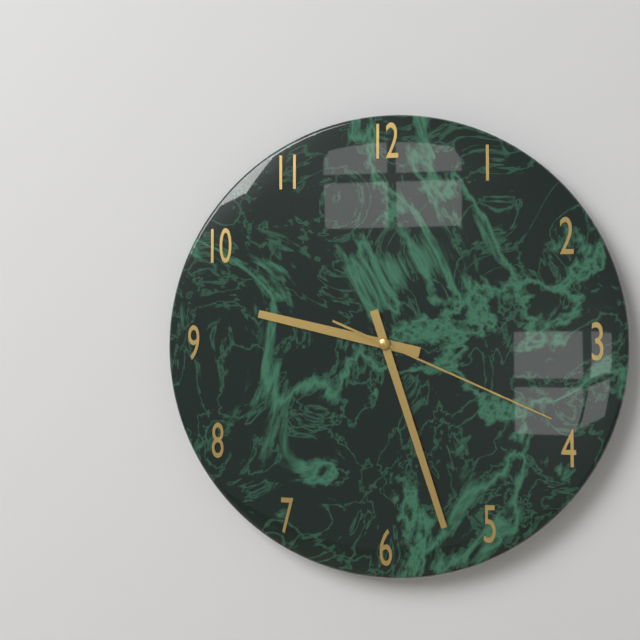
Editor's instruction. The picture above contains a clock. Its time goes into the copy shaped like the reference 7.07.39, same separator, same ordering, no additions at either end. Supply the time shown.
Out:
9.27.19
